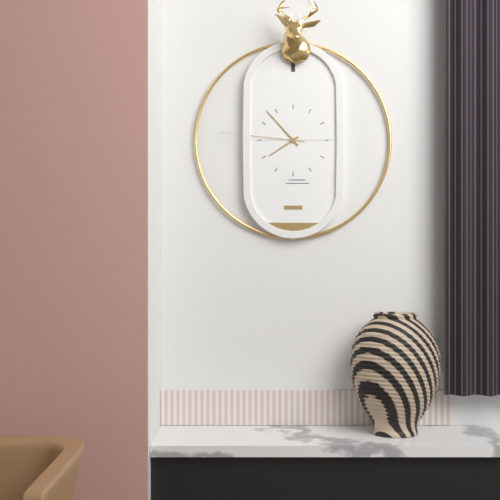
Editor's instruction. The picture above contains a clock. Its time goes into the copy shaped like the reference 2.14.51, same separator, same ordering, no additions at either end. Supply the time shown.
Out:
7.53.46
